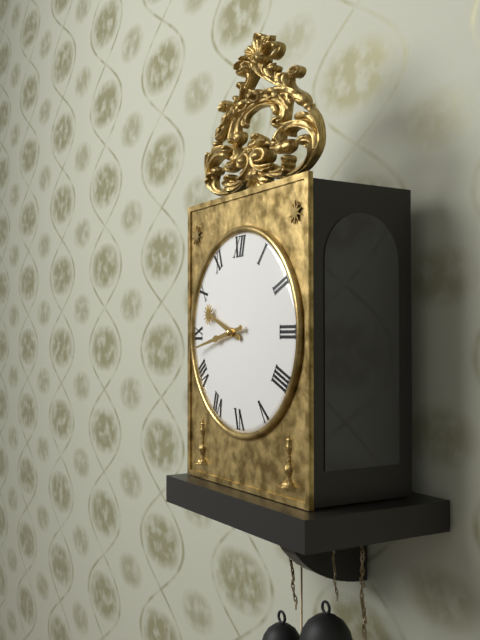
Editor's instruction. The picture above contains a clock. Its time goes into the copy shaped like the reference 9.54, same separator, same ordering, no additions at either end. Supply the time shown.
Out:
9.43
